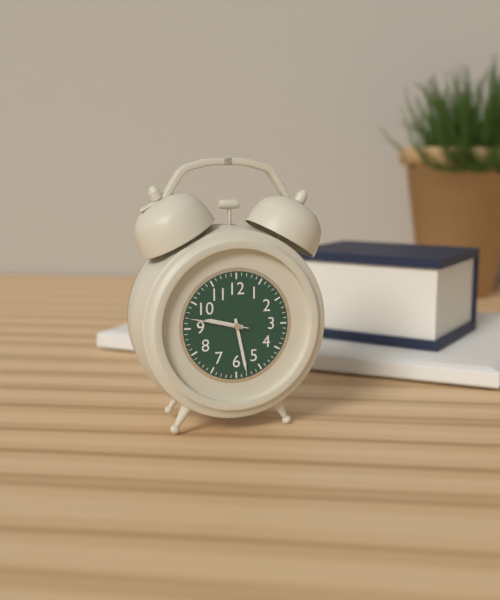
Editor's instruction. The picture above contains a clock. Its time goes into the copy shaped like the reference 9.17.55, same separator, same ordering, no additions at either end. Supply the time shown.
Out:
9.28.47
